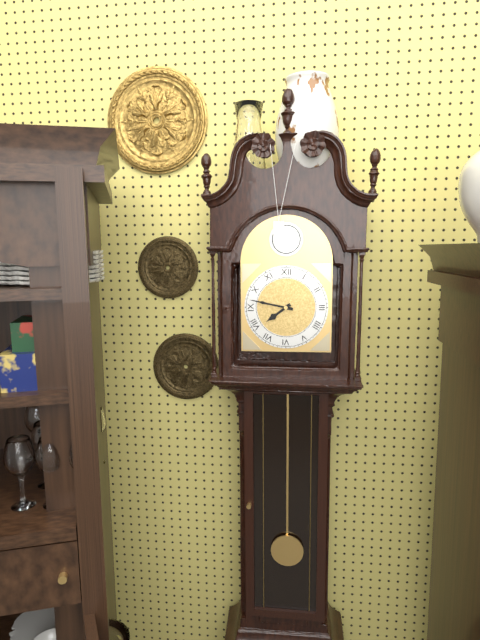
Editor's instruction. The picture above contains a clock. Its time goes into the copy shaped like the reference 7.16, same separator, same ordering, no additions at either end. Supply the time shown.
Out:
7.47
